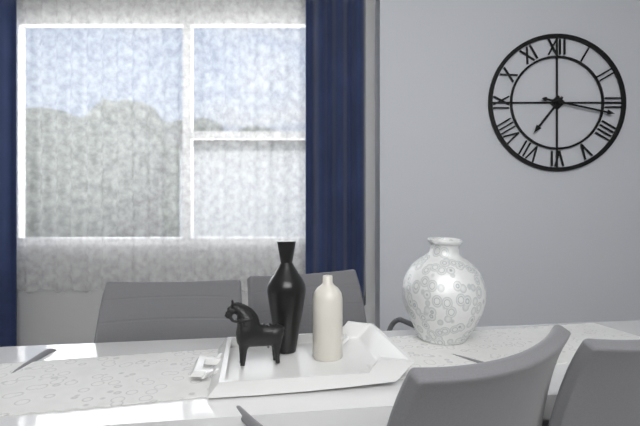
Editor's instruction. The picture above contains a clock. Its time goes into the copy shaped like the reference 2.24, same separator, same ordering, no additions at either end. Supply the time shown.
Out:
7.17
